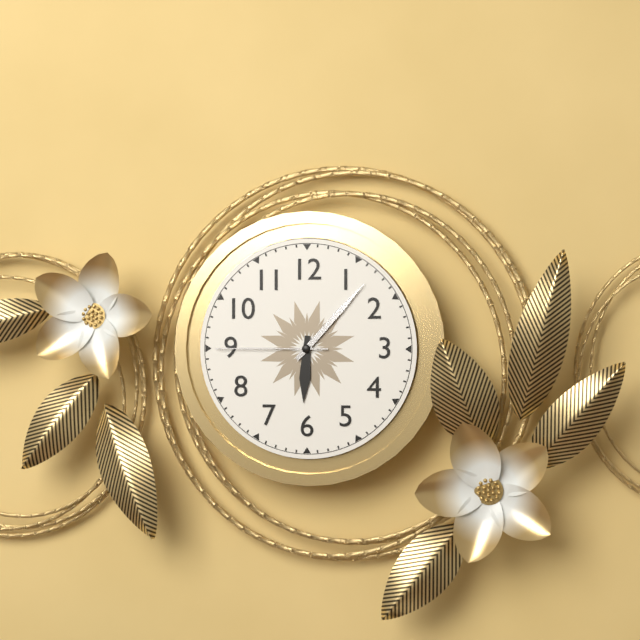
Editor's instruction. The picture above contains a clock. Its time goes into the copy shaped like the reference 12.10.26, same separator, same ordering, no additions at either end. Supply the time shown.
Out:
6.07.45
